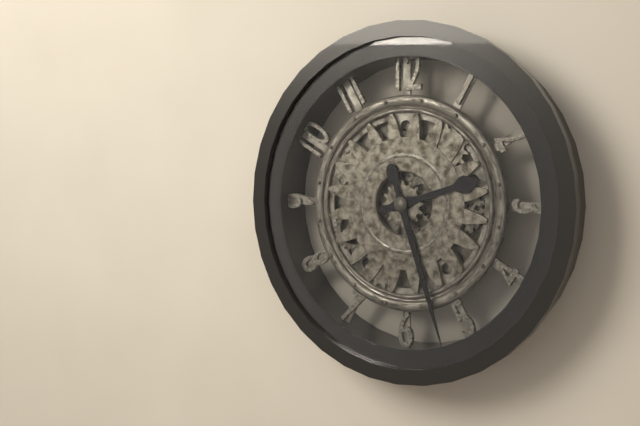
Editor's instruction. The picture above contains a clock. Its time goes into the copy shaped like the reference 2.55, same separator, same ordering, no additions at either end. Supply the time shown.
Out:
2.27
